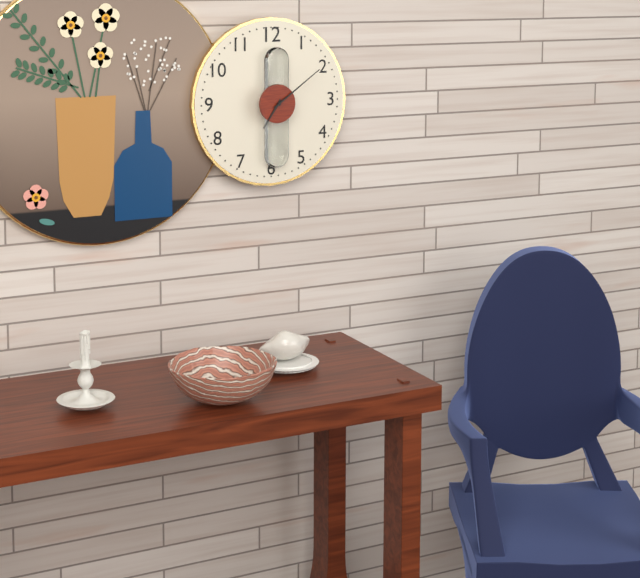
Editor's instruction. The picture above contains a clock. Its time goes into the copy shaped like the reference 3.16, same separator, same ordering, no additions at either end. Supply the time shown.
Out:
7.09
